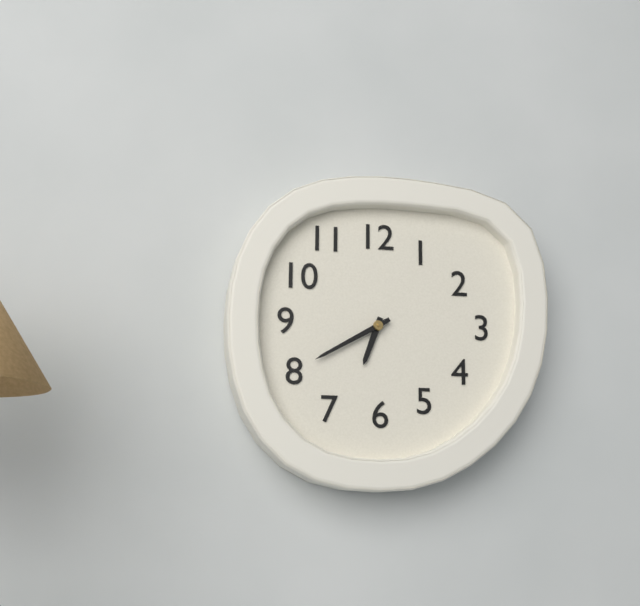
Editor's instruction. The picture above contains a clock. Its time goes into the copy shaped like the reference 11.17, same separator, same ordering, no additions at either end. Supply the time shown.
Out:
6.40
